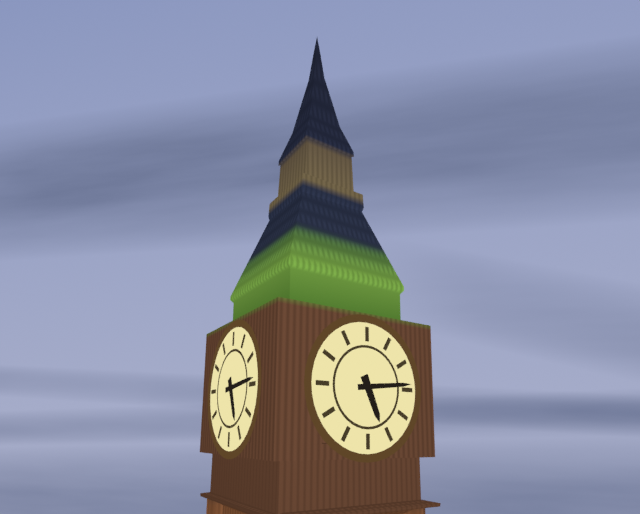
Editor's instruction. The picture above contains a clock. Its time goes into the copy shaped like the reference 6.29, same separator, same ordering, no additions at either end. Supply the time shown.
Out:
5.14
